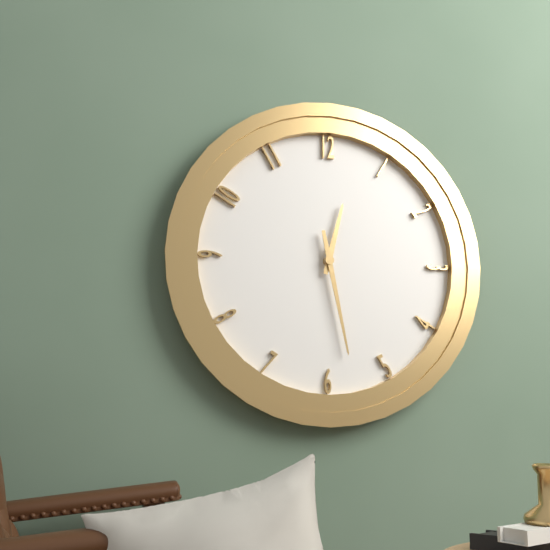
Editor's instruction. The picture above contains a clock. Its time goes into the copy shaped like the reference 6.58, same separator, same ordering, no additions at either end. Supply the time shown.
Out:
12.28
